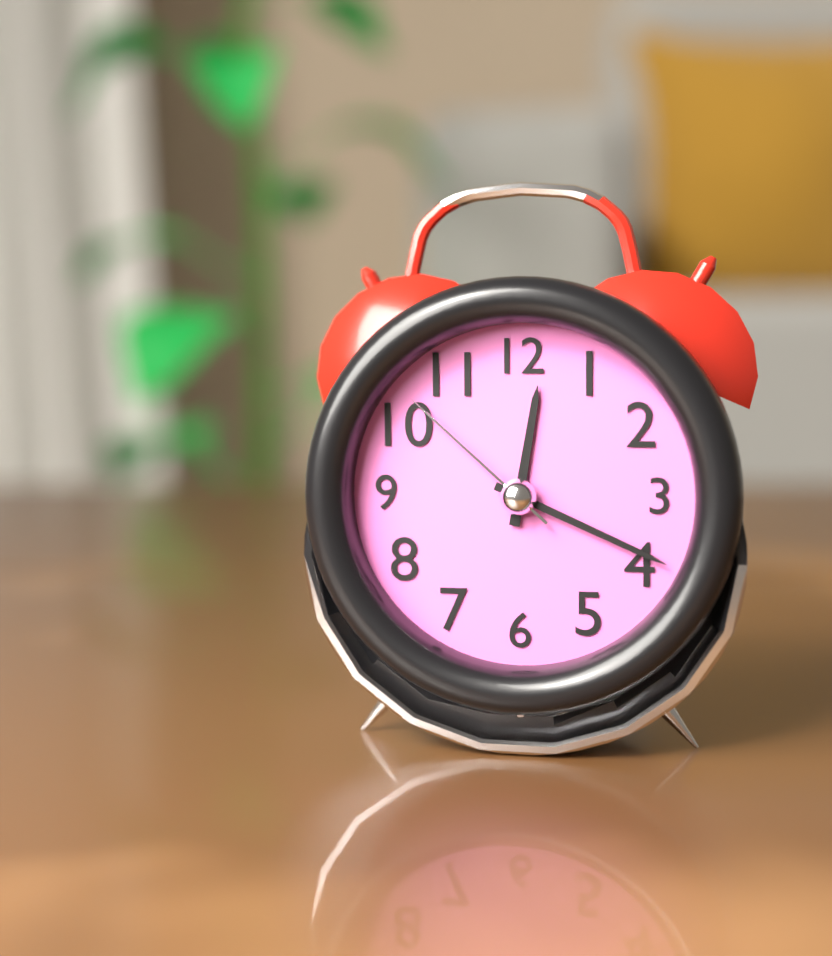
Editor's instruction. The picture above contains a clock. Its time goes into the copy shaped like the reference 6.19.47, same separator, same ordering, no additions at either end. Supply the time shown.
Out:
12.19.52
